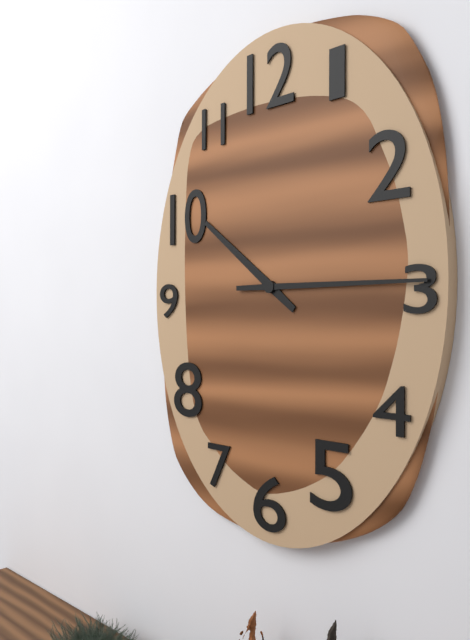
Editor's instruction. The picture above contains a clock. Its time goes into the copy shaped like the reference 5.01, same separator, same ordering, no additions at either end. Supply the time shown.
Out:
10.15
